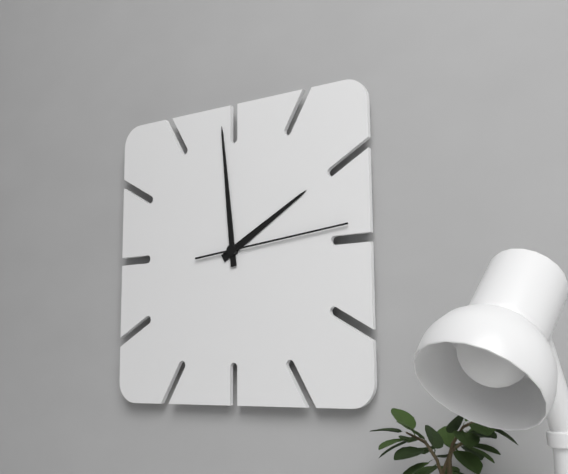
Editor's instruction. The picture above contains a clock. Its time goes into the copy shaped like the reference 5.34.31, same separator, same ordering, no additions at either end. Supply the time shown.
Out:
1.59.14
